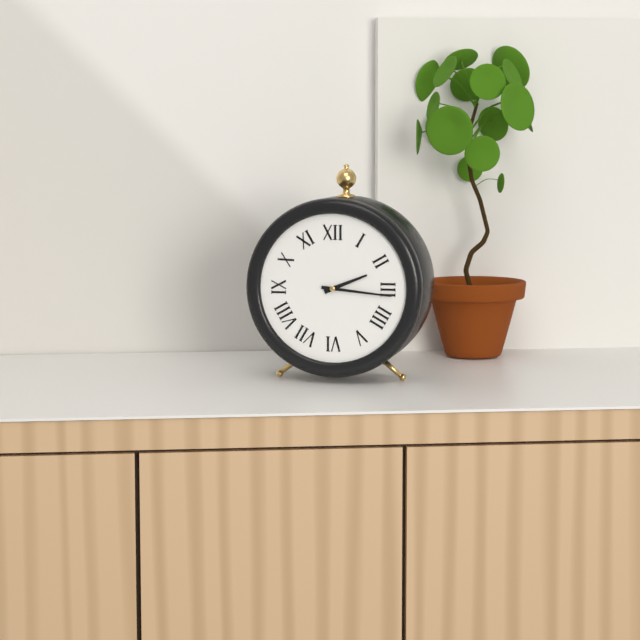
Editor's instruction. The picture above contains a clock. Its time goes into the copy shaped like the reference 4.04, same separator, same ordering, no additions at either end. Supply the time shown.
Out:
2.16
